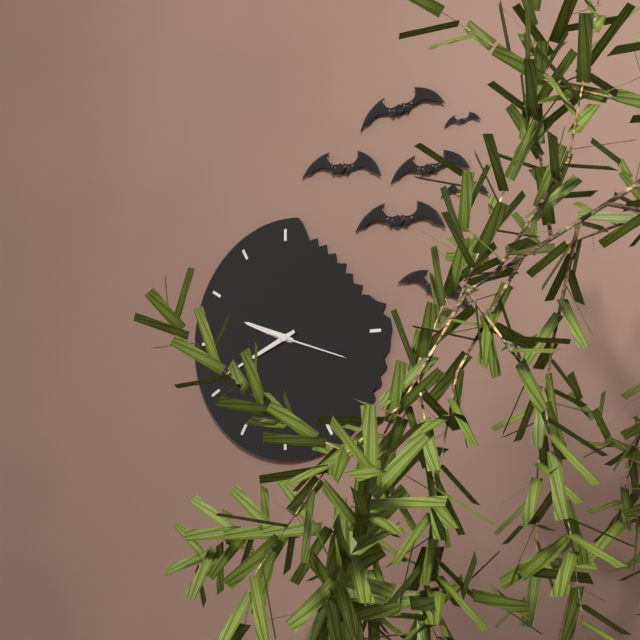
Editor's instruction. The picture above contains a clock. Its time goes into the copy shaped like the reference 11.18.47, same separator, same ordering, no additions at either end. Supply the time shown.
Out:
9.41.18
